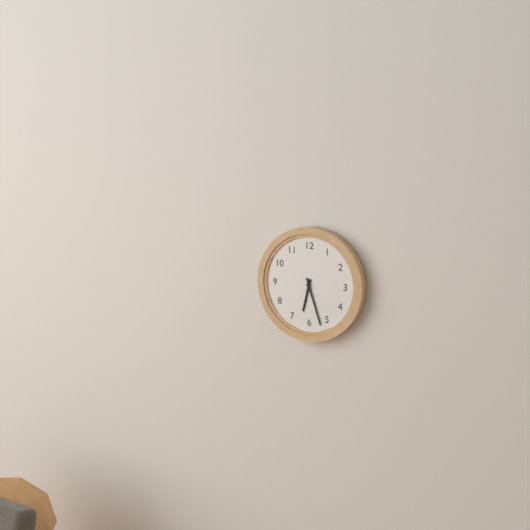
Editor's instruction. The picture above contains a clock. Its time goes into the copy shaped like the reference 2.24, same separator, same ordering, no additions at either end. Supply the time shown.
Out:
6.27
